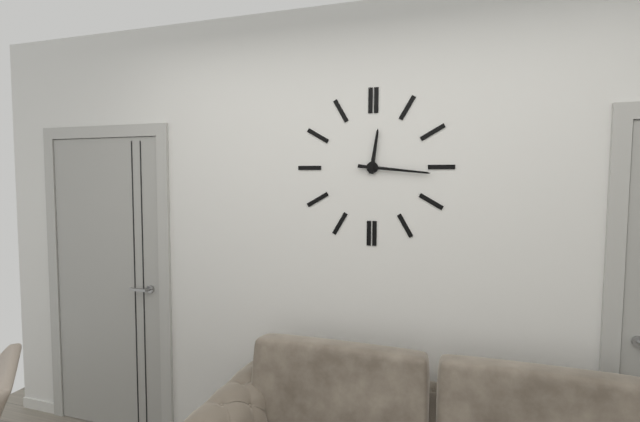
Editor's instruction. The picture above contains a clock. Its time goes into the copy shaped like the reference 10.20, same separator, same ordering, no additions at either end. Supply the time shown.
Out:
12.16
